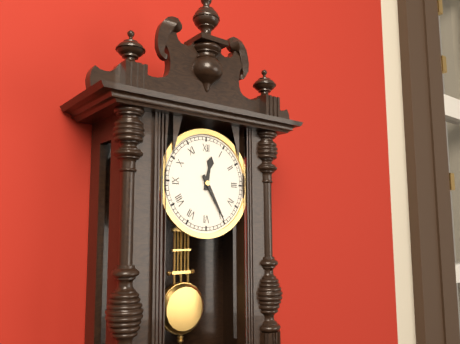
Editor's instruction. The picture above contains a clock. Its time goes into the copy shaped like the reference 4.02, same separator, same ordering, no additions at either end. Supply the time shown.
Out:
12.25
